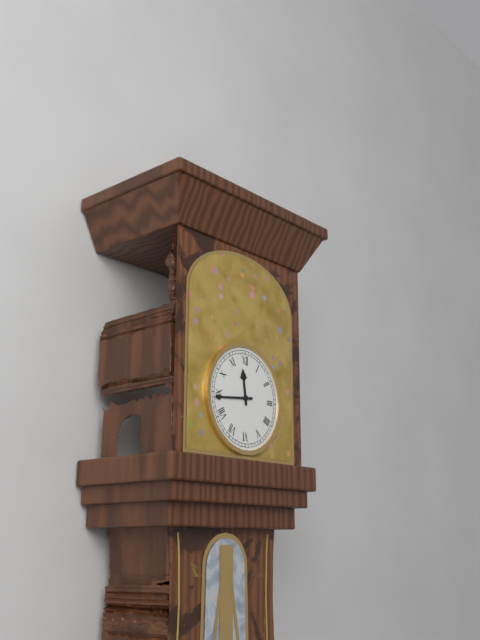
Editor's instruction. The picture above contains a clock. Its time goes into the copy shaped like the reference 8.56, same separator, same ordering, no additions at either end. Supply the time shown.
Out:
11.44
